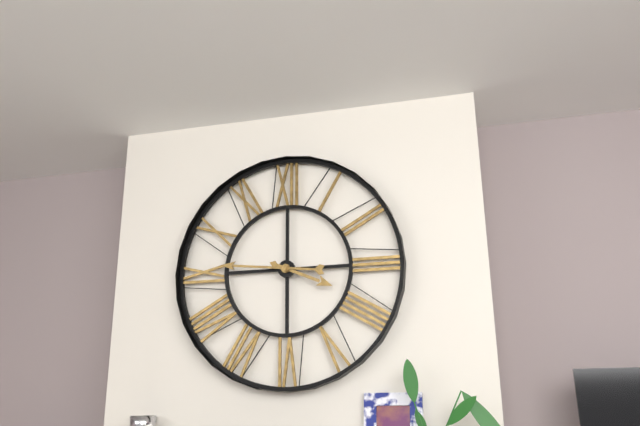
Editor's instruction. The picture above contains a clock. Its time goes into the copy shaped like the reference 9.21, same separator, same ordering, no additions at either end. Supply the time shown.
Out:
3.46
